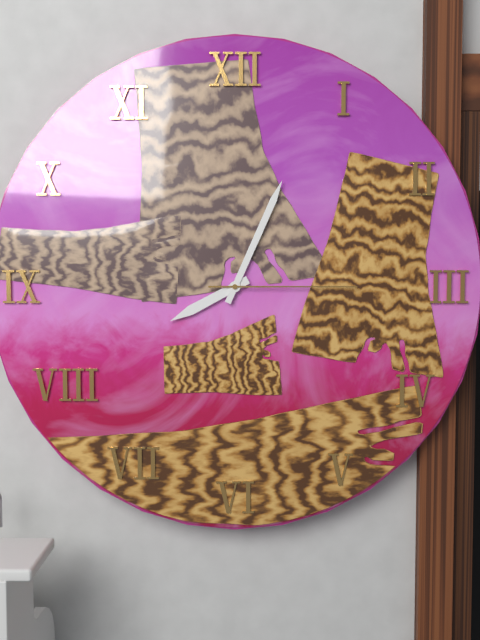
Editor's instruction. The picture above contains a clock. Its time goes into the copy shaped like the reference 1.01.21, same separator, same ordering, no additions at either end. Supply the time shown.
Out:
8.04.15
